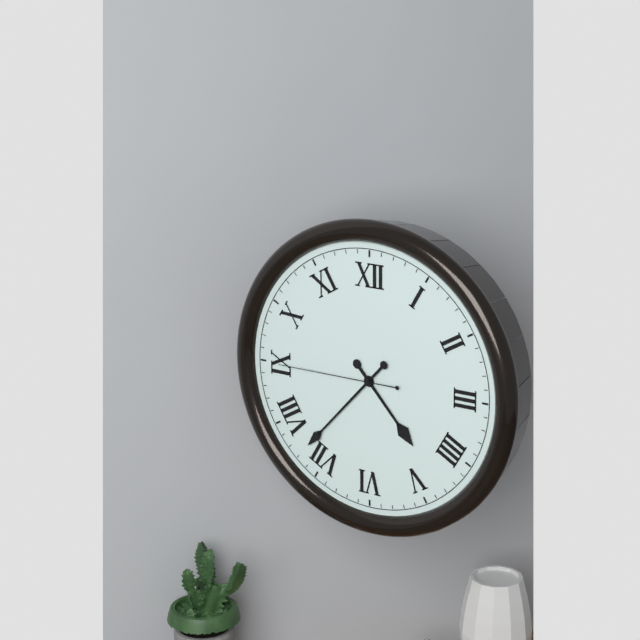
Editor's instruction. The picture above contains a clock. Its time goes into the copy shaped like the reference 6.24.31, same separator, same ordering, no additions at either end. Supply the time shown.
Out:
4.37.45
